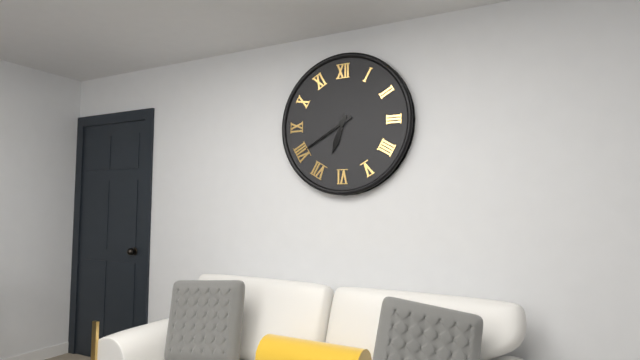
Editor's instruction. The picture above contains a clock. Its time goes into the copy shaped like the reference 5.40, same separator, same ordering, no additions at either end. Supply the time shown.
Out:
6.40
